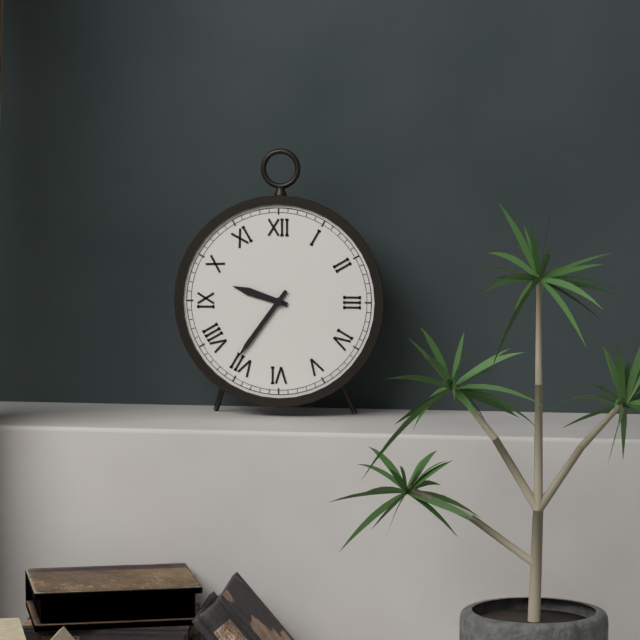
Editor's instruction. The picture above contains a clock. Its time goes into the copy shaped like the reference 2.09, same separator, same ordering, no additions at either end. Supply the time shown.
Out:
9.36
